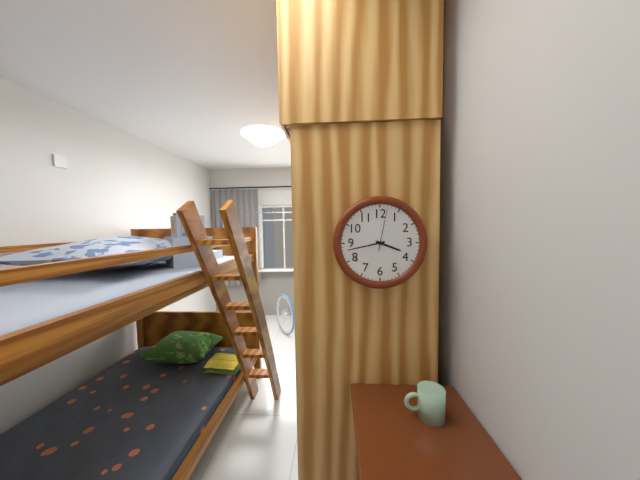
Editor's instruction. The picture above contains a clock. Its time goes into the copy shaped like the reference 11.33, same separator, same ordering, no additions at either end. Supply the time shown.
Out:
3.43
